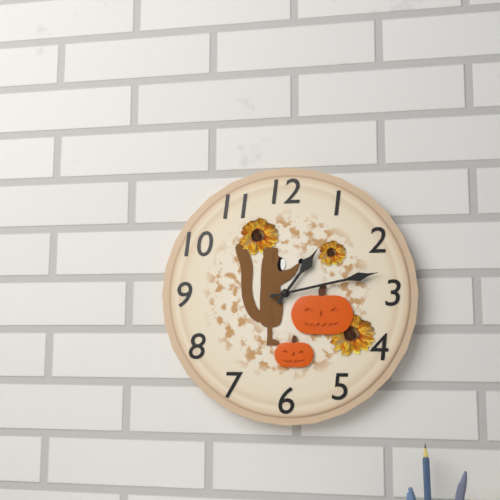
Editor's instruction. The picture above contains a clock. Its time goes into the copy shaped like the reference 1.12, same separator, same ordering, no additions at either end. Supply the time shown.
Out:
1.13
